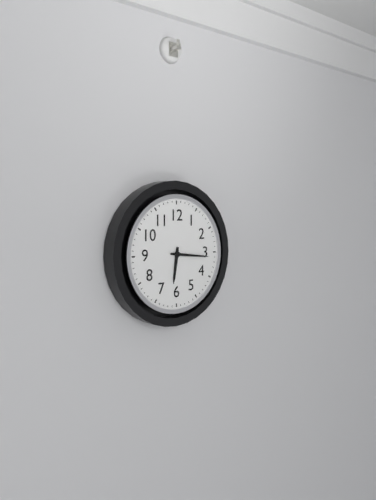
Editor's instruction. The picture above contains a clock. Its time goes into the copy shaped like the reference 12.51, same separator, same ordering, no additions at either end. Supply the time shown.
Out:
6.16
